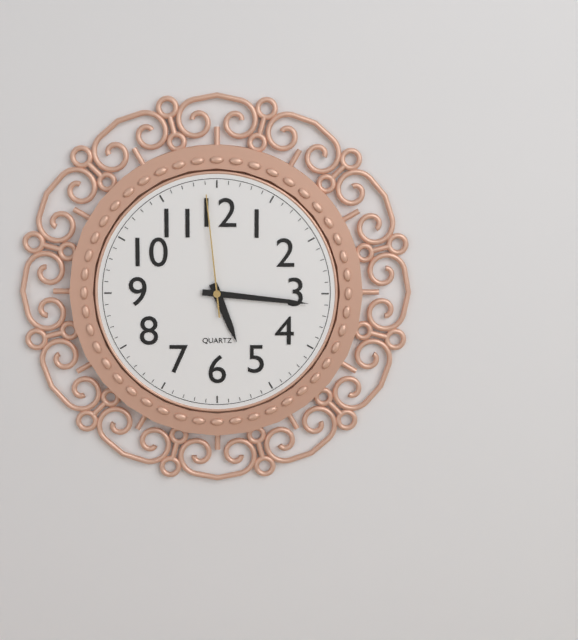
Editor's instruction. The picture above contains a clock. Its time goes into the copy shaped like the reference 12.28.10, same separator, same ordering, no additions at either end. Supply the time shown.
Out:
5.16.59
